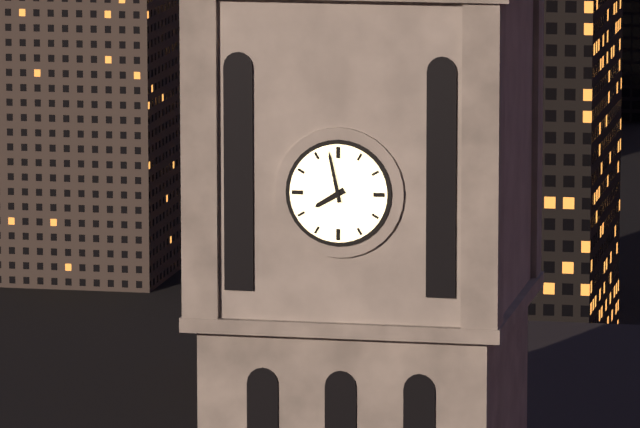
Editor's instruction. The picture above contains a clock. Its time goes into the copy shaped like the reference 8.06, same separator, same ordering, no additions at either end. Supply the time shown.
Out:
7.58
